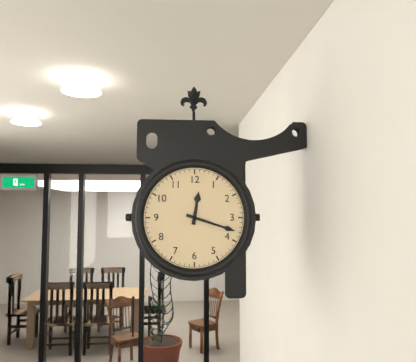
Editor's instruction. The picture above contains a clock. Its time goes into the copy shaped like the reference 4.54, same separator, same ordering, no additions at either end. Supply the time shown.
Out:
12.18
